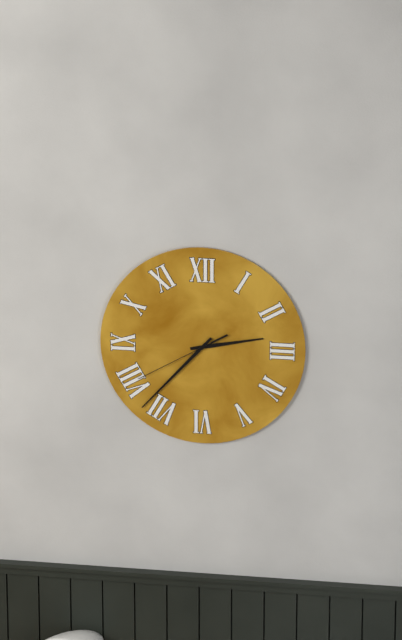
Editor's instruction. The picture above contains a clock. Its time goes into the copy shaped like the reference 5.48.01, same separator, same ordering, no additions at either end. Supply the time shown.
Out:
2.37.40
